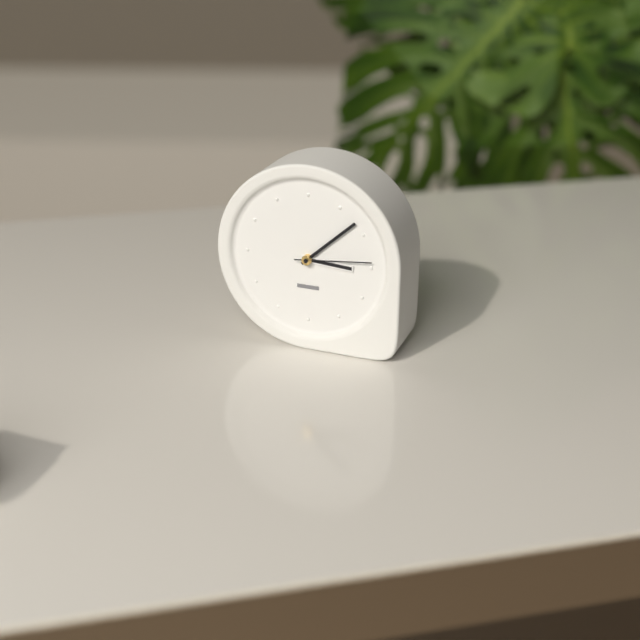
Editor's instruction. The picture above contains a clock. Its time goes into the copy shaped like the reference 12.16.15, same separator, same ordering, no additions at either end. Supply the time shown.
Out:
3.08.14
